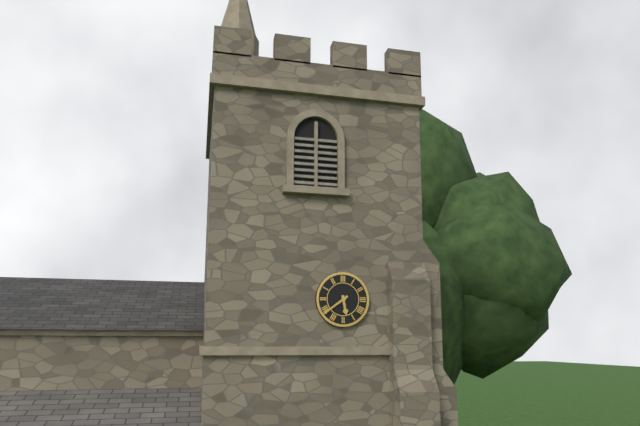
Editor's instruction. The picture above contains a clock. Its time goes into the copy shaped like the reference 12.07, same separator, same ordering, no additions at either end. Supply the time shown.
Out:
5.39
